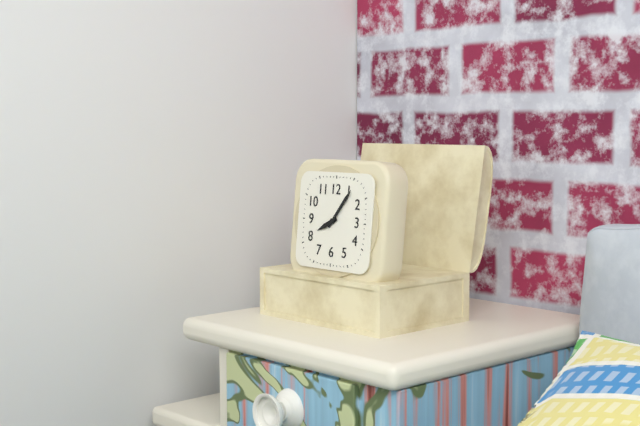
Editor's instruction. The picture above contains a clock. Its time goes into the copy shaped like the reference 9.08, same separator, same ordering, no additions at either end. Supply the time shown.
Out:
8.06
